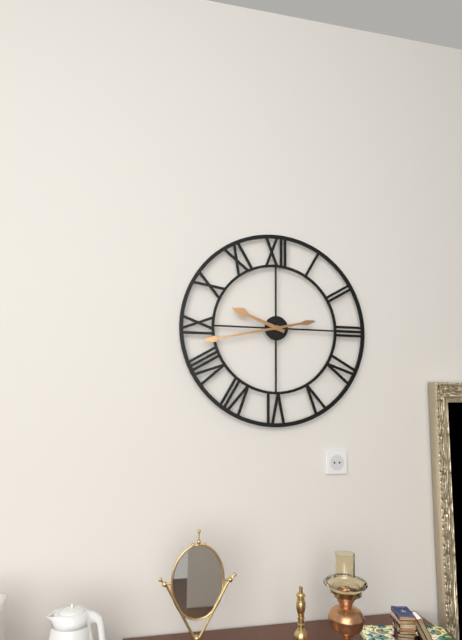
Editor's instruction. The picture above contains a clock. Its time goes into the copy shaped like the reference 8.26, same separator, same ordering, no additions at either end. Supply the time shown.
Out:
9.43
